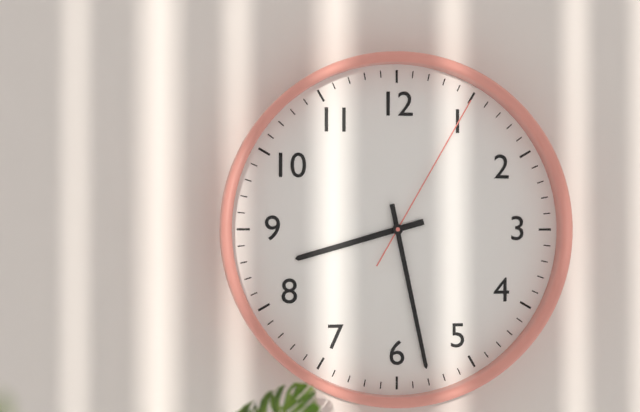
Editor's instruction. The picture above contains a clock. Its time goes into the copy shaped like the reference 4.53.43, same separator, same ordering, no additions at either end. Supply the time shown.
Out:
8.28.05
